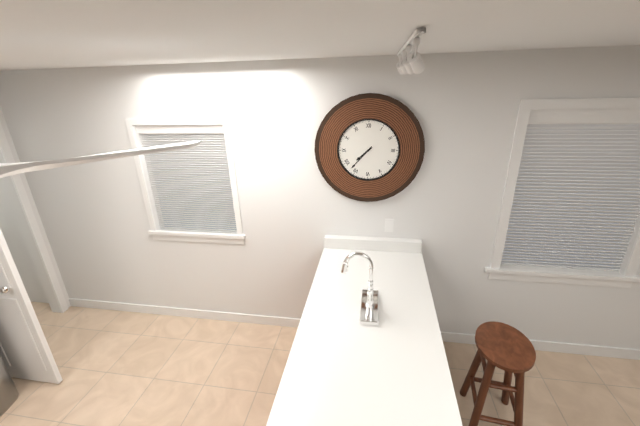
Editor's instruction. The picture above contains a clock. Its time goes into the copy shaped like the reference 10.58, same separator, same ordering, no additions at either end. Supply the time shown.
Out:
7.37
